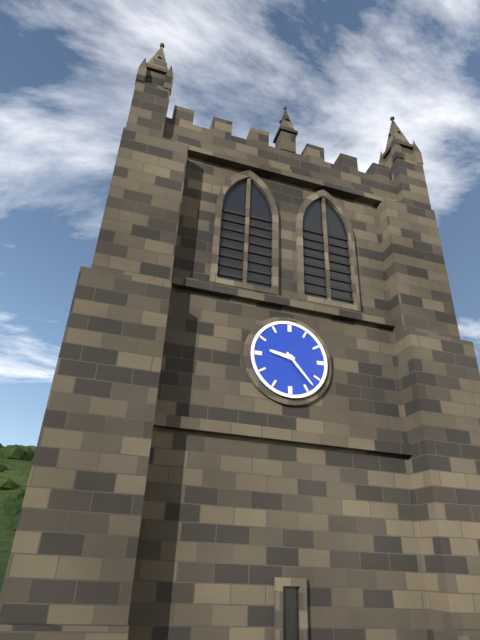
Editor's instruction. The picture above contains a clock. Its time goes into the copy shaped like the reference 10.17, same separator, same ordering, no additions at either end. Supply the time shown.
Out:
9.23
